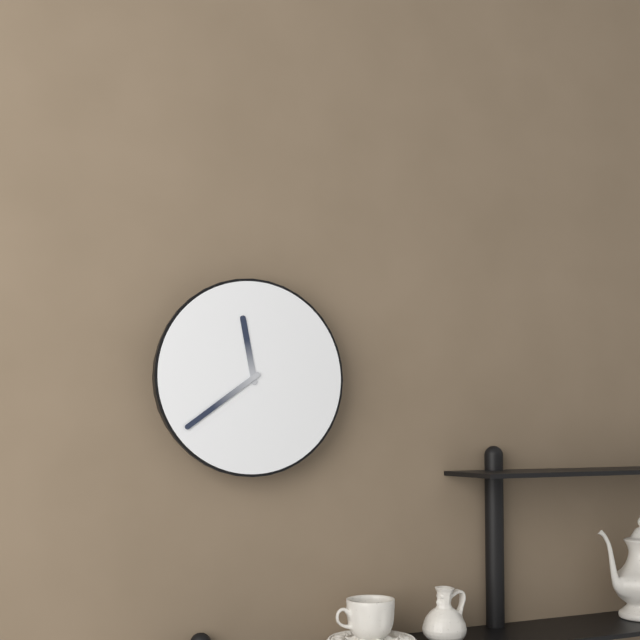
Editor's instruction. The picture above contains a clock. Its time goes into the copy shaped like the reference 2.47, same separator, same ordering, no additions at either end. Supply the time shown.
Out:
11.39
